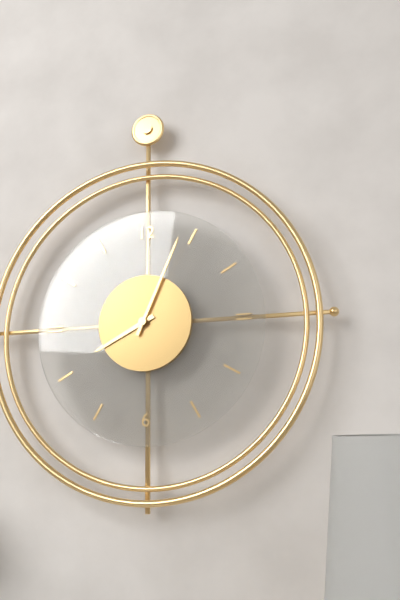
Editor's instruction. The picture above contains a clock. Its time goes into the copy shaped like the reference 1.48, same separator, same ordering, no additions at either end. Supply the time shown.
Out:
8.04
